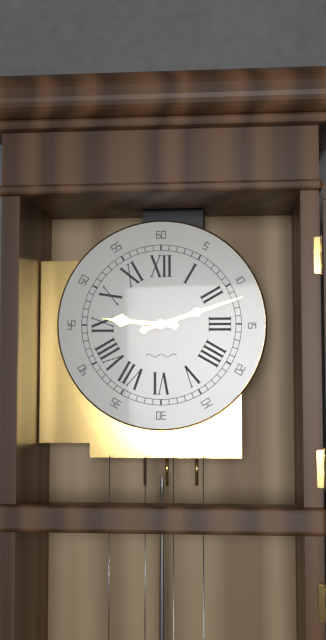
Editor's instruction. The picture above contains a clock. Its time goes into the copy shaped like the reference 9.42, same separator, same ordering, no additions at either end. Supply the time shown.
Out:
9.12
